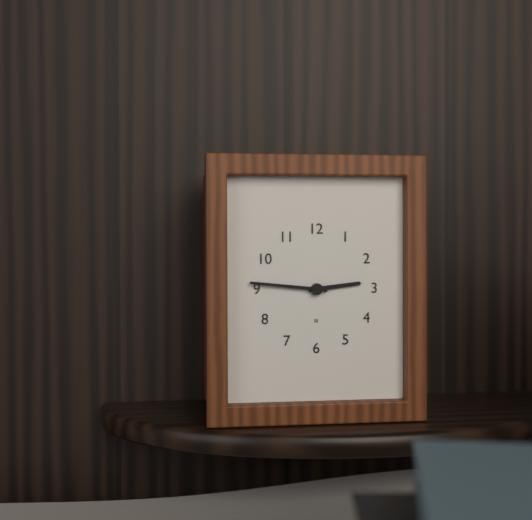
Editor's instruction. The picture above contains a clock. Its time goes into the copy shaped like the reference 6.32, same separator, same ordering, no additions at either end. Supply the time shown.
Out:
2.46
